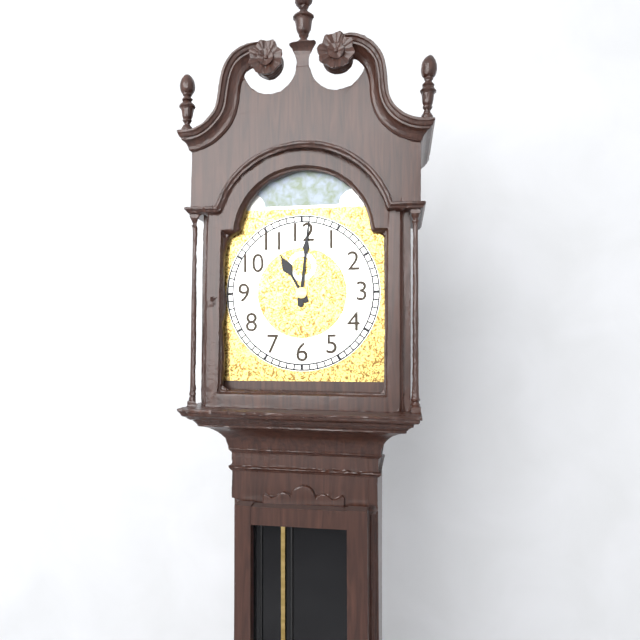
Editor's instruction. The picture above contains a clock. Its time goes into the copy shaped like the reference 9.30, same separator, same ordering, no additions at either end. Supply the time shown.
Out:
11.01
